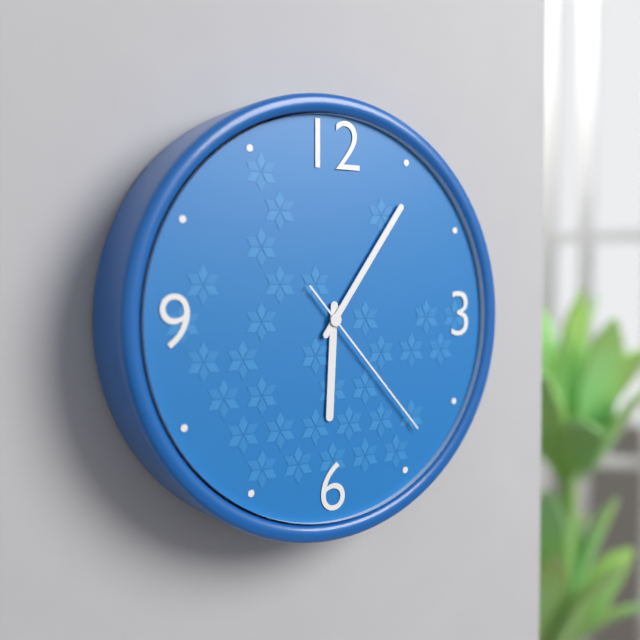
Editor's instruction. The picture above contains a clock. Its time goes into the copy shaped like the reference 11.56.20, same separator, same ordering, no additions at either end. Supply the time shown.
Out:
6.06.23
